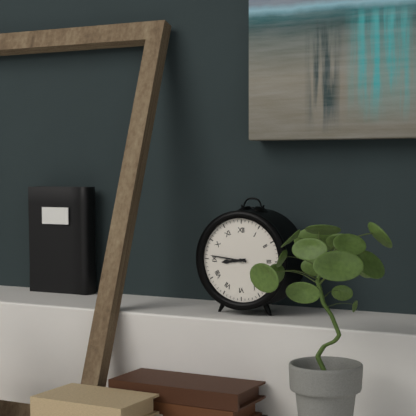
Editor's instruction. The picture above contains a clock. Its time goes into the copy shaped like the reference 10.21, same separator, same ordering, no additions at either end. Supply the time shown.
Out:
8.46
